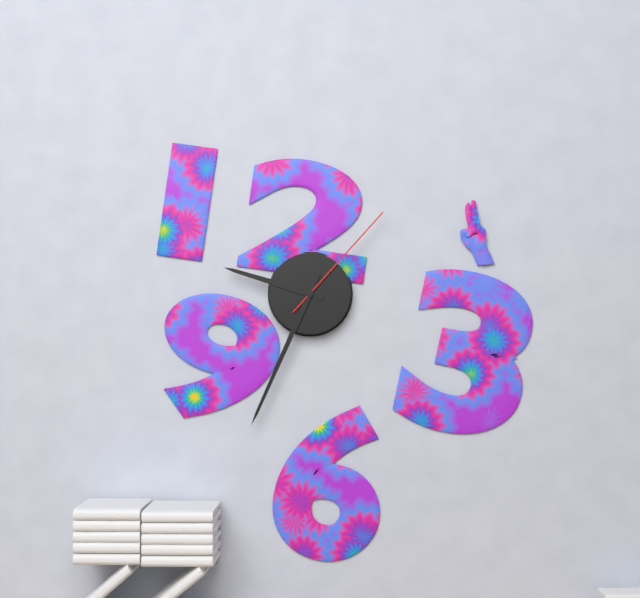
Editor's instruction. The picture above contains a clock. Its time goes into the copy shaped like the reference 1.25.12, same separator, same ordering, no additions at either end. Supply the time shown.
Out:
9.34.07
